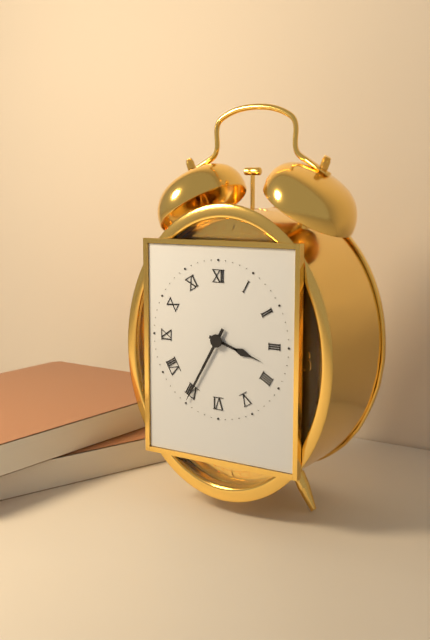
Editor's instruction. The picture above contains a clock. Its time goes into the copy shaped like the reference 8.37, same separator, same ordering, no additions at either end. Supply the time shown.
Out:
3.35
